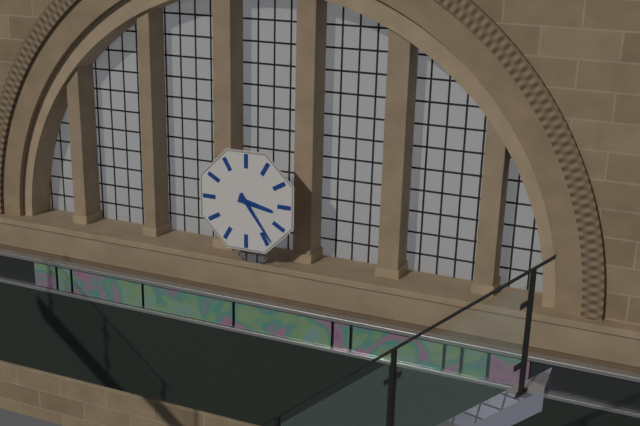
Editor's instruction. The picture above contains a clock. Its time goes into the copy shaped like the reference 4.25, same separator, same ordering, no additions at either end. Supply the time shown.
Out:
3.24
